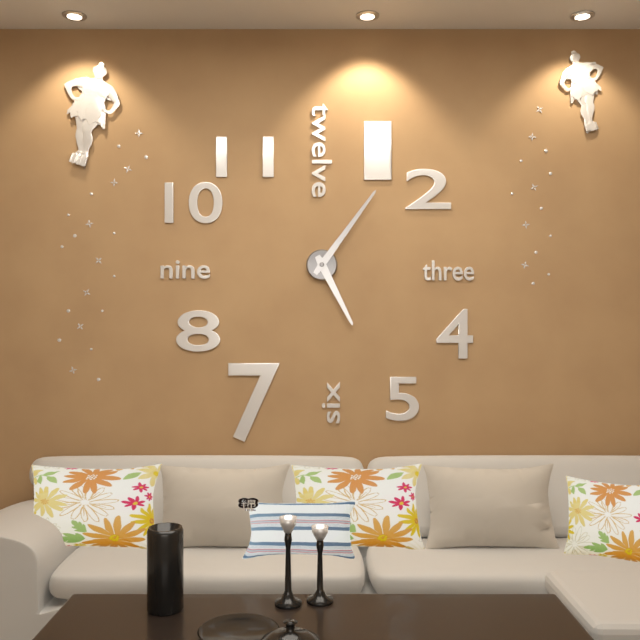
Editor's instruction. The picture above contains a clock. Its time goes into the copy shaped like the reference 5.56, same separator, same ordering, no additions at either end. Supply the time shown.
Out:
5.06
